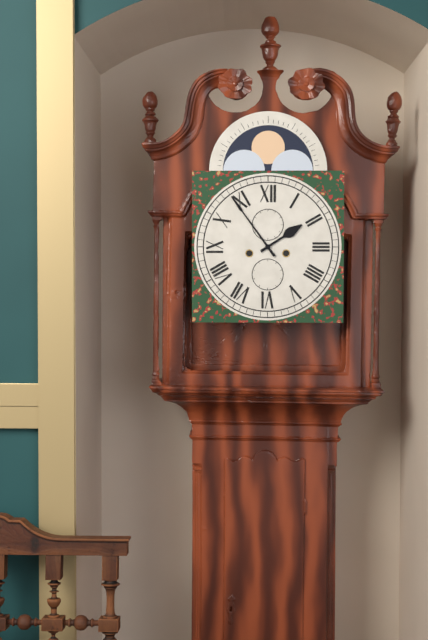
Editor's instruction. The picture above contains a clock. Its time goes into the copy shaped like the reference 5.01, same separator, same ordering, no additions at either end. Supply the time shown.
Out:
1.54
